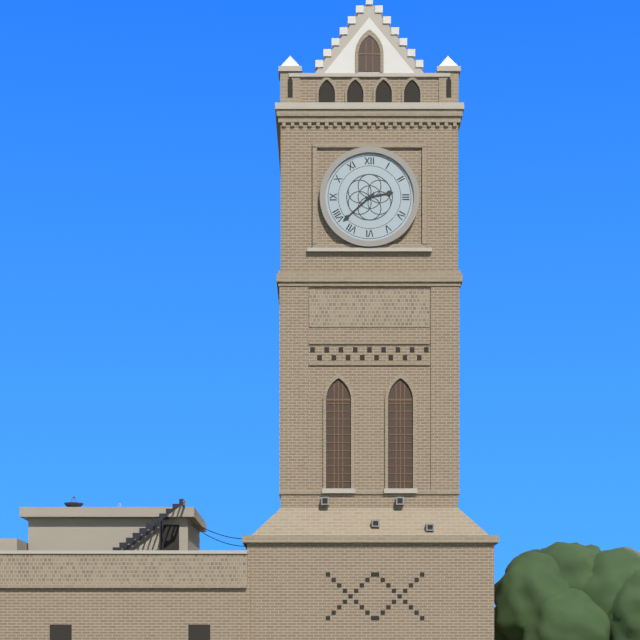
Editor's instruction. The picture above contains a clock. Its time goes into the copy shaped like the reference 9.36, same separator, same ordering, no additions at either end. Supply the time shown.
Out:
2.38
